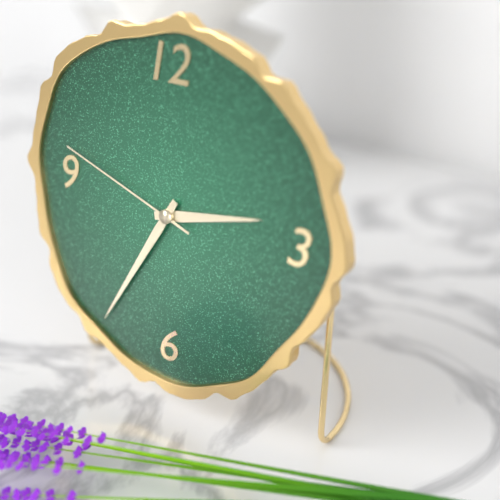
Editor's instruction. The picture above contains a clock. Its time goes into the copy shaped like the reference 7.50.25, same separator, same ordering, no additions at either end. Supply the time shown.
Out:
2.35.48
